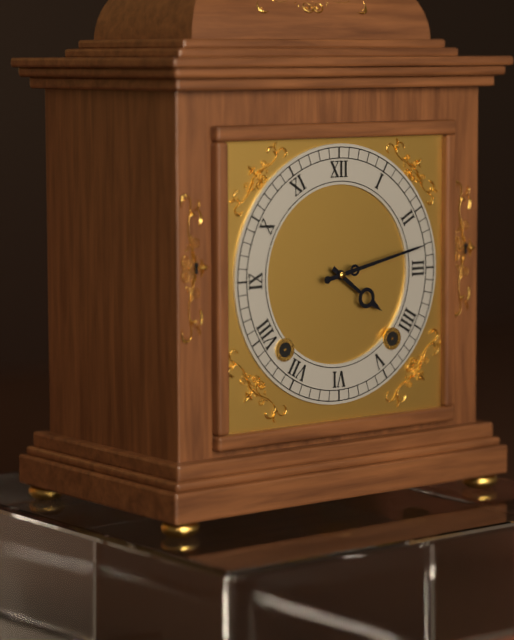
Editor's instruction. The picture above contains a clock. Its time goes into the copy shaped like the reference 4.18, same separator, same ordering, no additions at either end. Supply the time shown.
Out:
4.13
